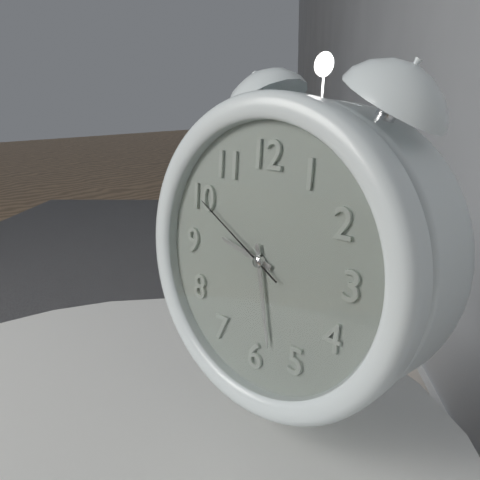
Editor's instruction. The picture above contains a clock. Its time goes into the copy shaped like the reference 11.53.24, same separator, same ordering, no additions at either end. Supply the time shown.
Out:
9.28.50
